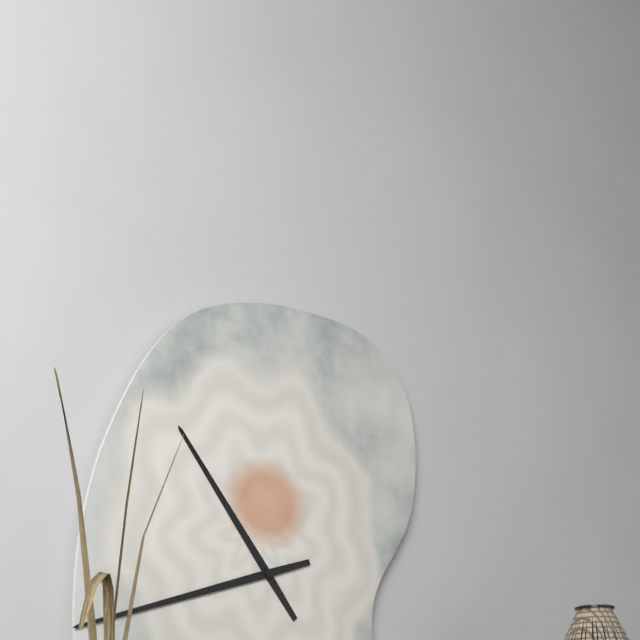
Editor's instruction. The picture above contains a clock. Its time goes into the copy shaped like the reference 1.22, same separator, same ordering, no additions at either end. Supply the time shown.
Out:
10.42
